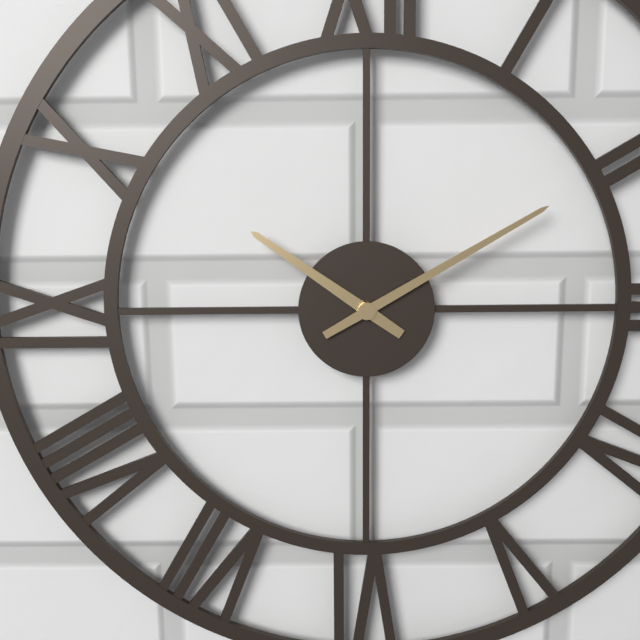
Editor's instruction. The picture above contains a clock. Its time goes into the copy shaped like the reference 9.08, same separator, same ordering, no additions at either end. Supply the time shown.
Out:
10.10
